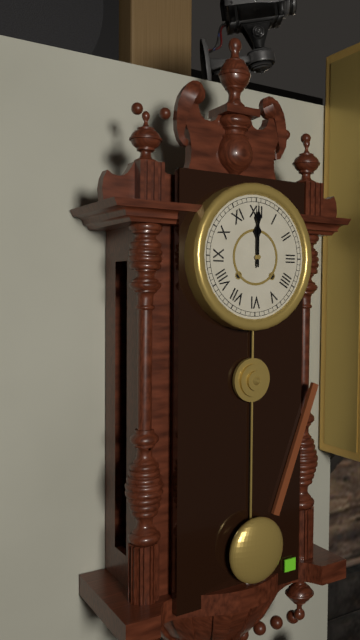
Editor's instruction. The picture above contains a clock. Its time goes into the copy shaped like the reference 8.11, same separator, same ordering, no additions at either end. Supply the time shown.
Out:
12.00
